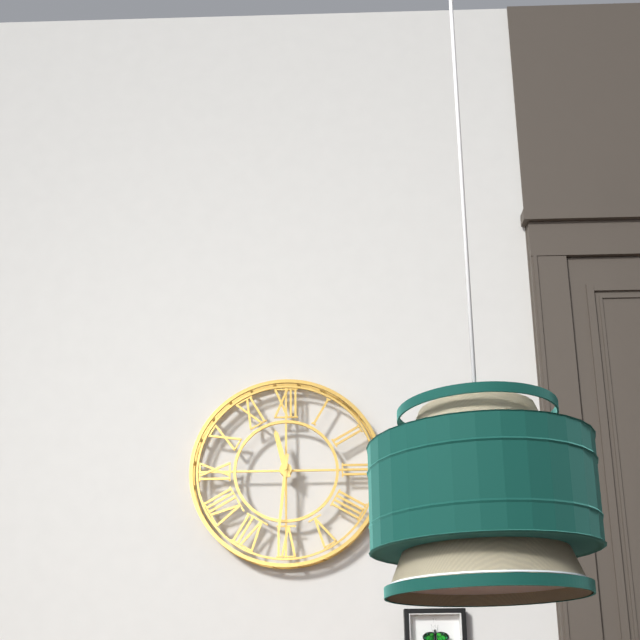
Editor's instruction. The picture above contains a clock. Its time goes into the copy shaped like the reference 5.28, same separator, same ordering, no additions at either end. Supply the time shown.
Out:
11.31
